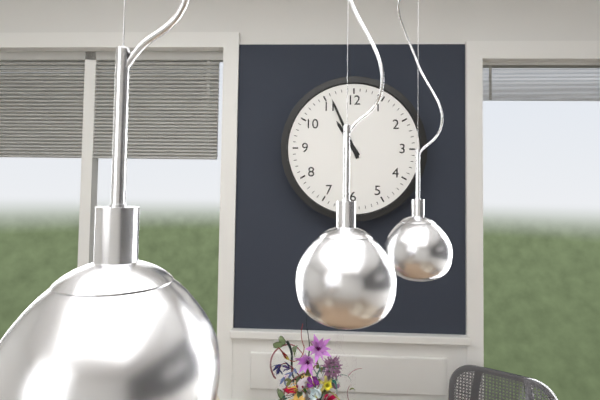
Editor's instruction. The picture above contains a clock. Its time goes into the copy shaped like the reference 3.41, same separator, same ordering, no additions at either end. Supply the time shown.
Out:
10.56
